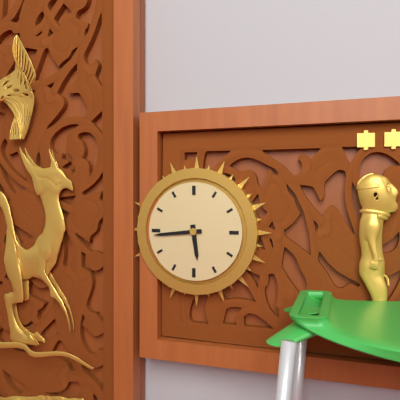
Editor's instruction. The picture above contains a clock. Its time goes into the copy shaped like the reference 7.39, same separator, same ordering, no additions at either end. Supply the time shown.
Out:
5.44
